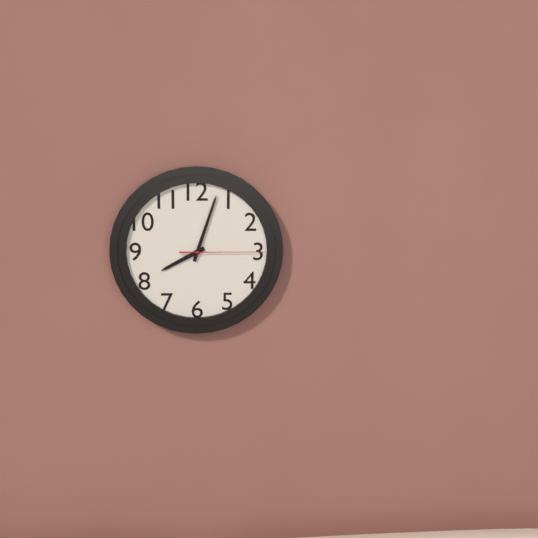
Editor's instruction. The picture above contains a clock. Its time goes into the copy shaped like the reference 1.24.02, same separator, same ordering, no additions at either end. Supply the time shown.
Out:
8.03.15
